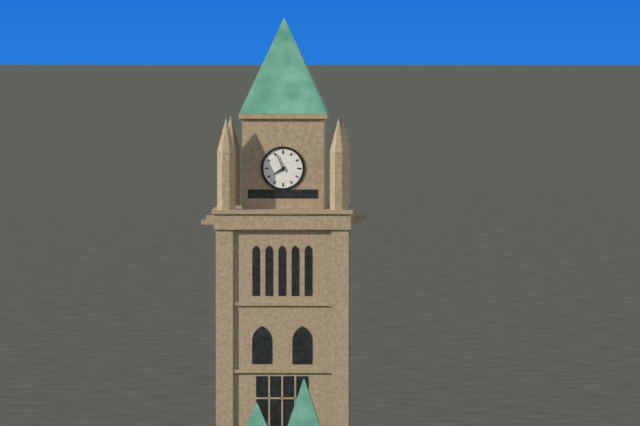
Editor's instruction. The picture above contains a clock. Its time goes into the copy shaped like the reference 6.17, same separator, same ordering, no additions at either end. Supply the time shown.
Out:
7.56
